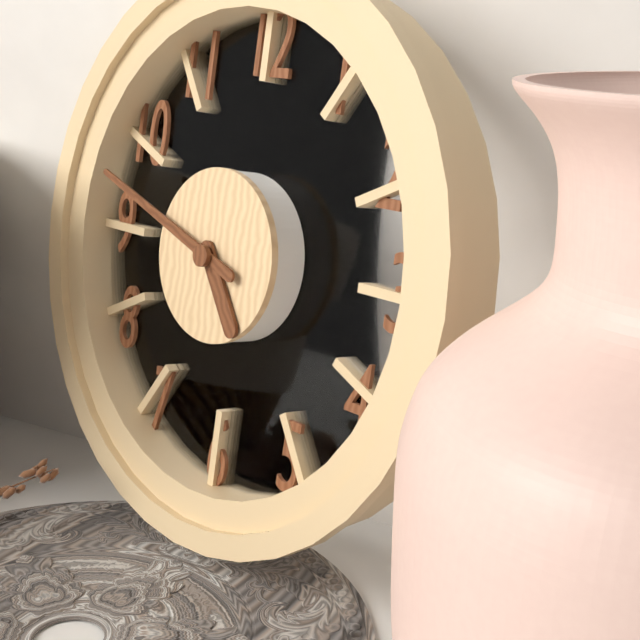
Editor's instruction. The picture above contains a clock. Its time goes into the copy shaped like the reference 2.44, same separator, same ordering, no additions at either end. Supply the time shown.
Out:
4.48
